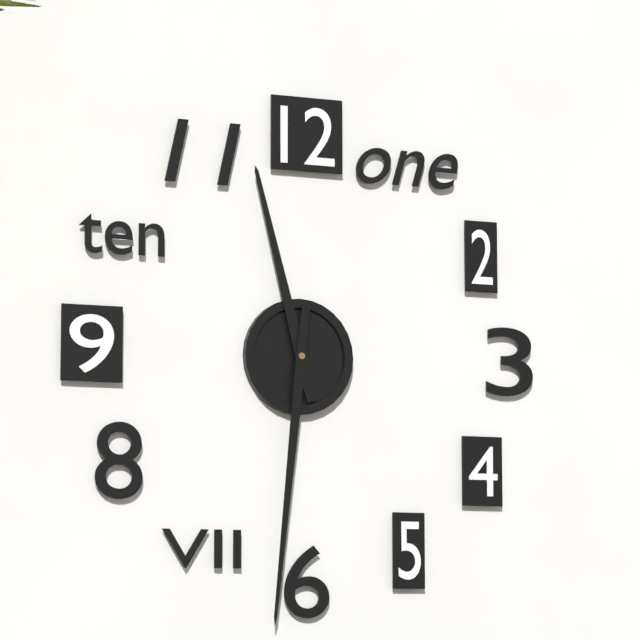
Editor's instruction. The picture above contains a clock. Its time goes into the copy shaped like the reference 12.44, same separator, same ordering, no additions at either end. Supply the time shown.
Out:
11.31
